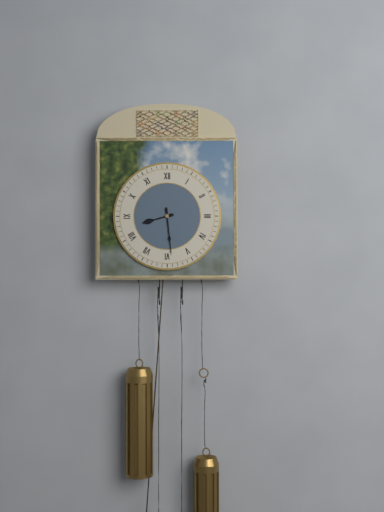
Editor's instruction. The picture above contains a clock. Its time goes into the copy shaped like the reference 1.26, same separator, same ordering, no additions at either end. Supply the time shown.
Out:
8.29
